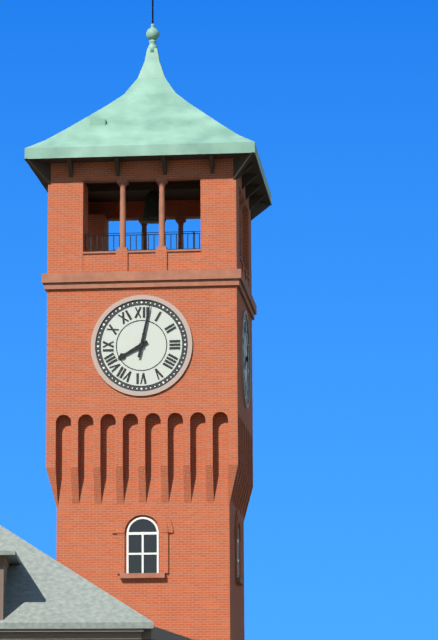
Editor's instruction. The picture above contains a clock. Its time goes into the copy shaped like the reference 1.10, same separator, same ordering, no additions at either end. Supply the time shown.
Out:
8.02
